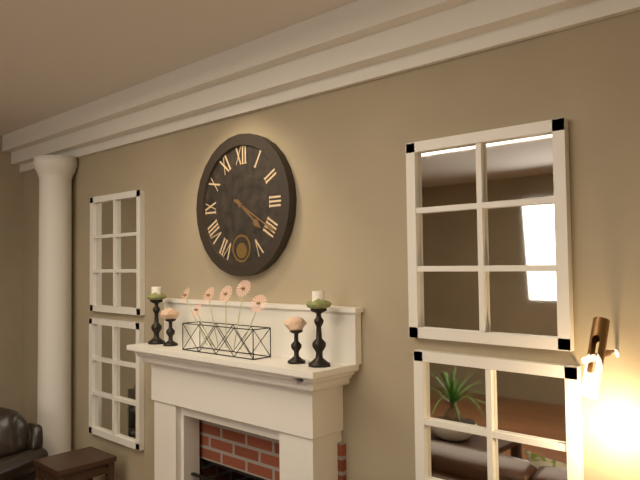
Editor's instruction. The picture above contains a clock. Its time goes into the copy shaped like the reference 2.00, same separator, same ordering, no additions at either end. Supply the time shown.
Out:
4.20
